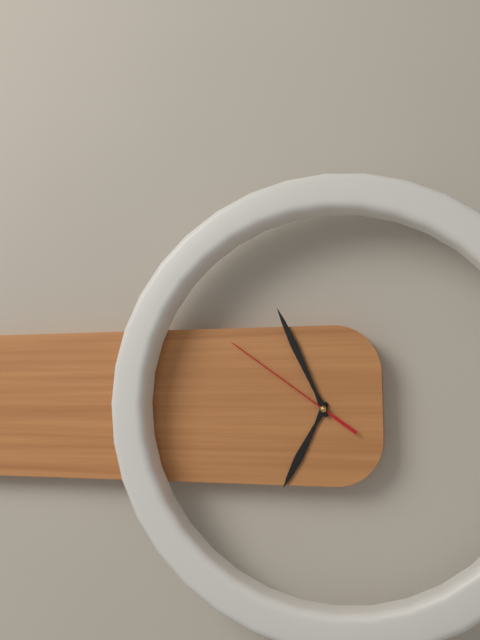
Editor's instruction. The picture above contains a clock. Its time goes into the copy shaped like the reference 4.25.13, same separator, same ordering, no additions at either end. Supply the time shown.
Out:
6.56.51
